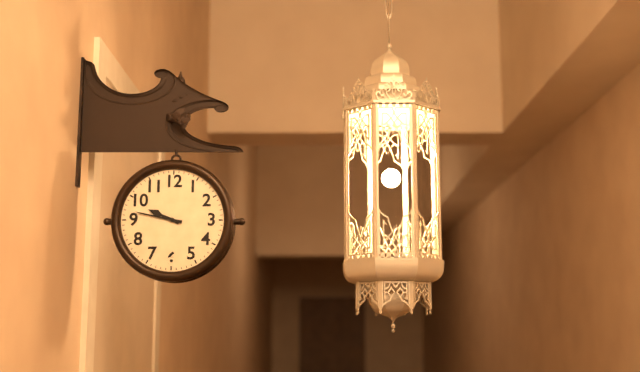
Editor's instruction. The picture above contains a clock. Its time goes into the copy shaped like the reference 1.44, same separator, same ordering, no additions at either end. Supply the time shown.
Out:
9.47
